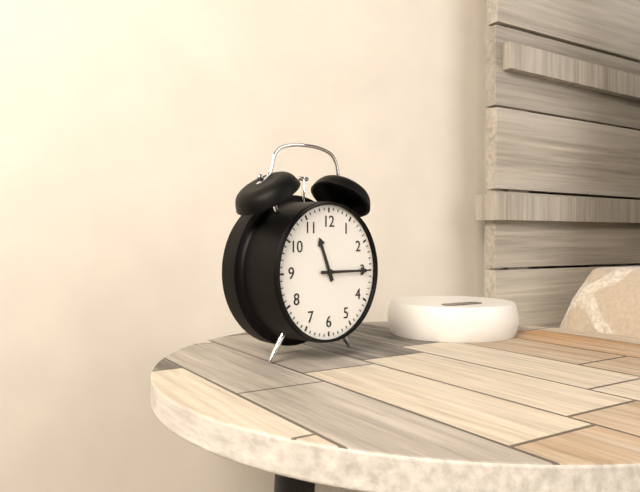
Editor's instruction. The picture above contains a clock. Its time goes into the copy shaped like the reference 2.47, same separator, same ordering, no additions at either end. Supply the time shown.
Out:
11.15
